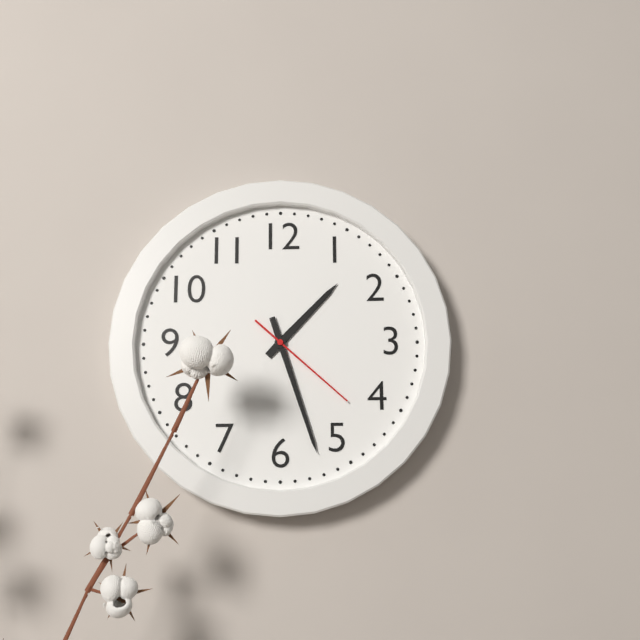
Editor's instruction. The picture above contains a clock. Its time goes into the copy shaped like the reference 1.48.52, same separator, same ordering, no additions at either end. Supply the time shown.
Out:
1.27.22
